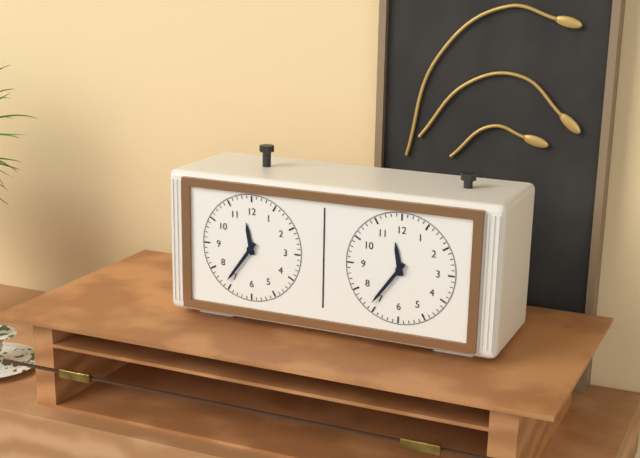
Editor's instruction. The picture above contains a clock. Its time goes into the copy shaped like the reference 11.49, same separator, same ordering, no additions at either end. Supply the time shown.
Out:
11.36
